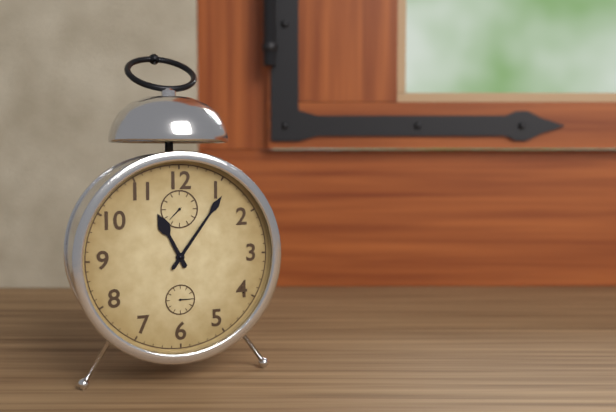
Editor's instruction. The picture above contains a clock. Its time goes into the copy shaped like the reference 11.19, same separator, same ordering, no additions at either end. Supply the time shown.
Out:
11.06
